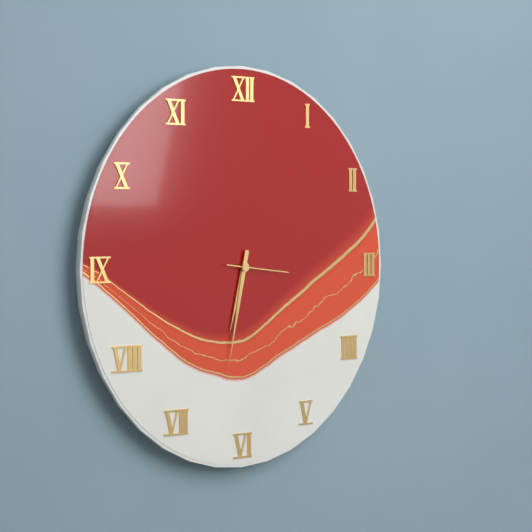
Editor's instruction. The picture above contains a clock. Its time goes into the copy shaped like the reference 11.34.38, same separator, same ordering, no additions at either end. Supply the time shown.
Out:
6.32.16
